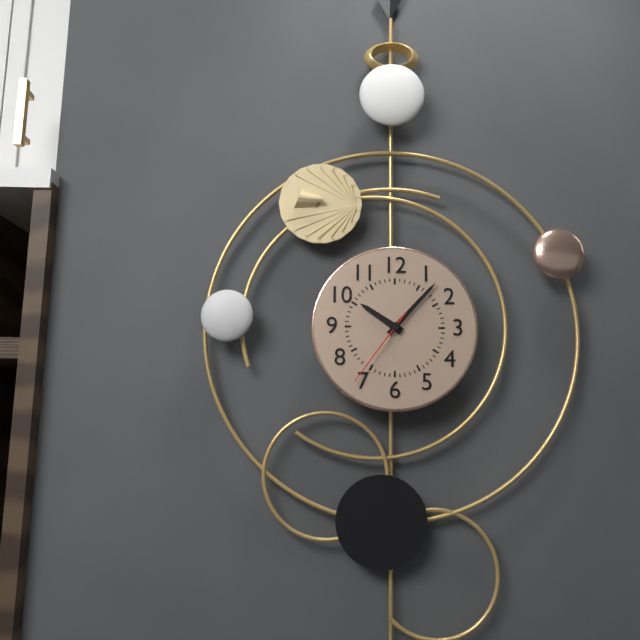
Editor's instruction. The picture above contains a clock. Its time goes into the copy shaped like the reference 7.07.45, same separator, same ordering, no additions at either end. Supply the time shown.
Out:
10.07.36
